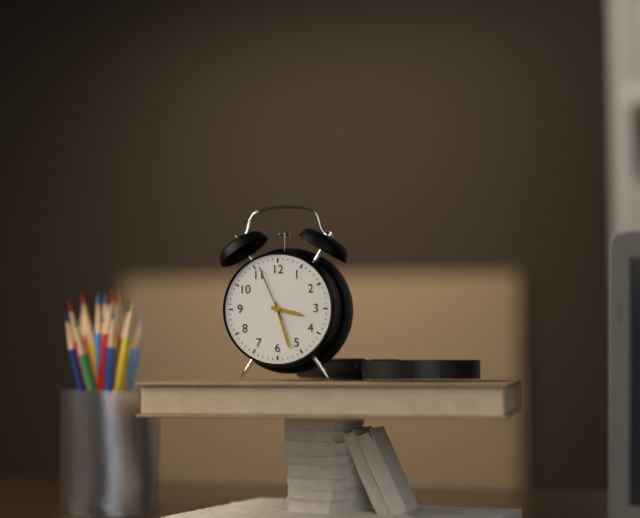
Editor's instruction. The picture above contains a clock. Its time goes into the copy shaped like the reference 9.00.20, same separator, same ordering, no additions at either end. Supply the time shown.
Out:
3.27.56
